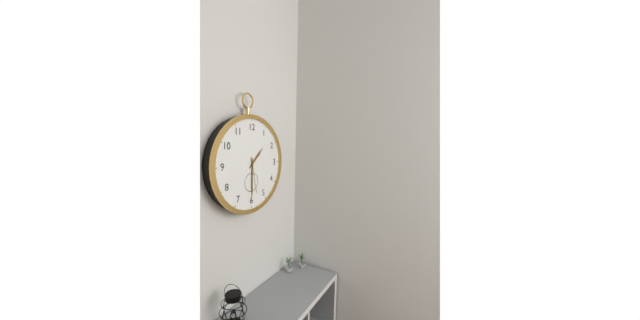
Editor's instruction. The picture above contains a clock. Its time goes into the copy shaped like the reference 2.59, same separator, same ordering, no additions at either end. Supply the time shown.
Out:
1.30
